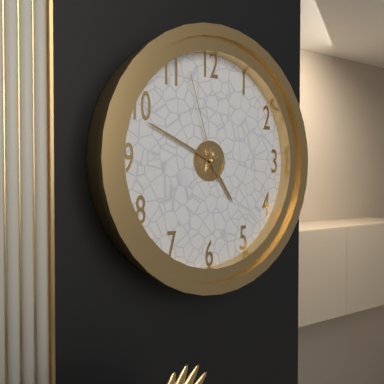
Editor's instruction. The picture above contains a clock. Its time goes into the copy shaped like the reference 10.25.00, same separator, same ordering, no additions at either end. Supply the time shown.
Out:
4.49.57
